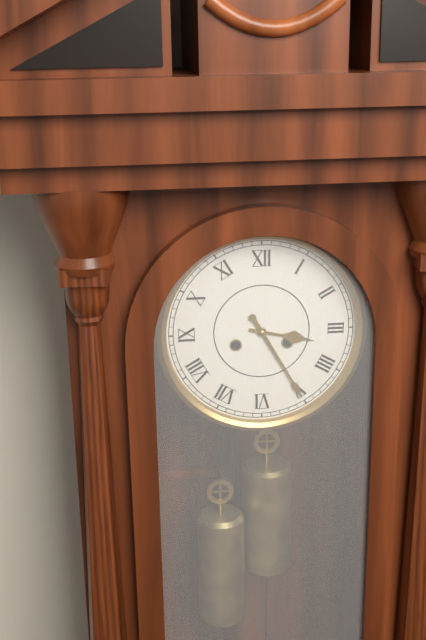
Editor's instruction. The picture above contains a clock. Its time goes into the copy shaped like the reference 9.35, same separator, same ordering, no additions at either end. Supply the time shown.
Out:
3.25
